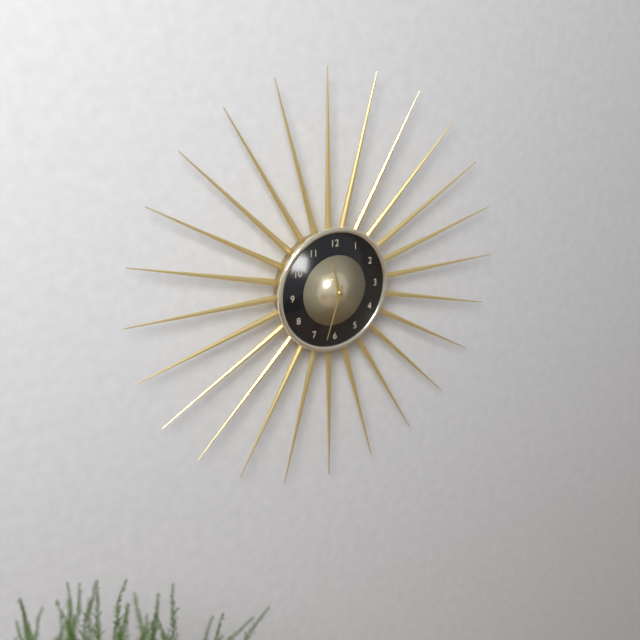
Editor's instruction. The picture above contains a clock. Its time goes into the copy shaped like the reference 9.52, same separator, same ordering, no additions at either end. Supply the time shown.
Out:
11.33
